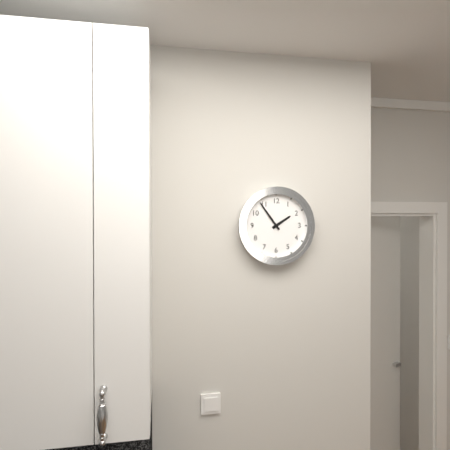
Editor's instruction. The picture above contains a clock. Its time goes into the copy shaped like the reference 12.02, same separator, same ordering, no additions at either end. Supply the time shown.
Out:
1.54
